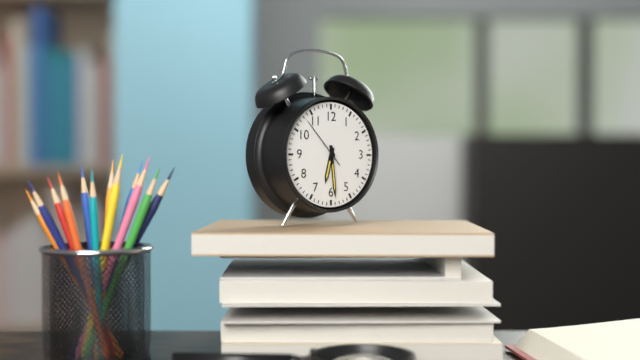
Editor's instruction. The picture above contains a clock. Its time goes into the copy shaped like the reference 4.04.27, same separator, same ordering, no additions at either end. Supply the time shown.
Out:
6.29.53
